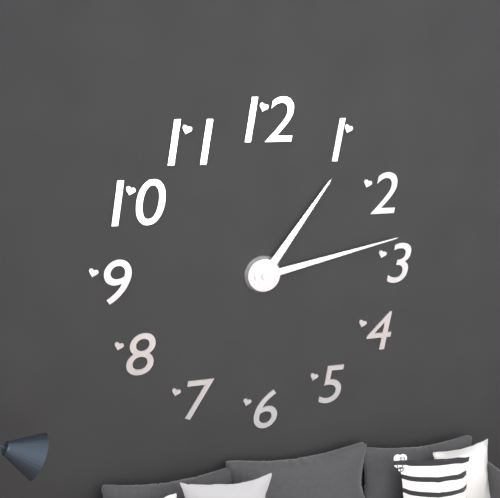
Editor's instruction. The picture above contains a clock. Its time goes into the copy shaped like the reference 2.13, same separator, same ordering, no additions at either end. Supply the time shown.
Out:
1.13
